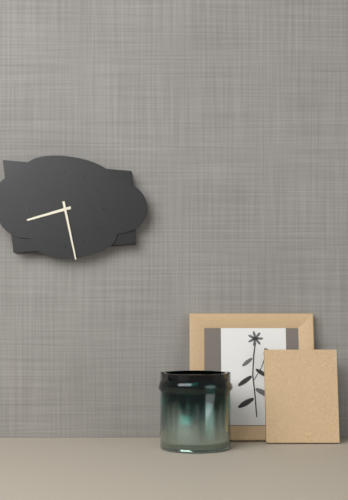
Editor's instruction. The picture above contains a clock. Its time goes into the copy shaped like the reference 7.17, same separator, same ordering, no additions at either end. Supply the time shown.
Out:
8.28
